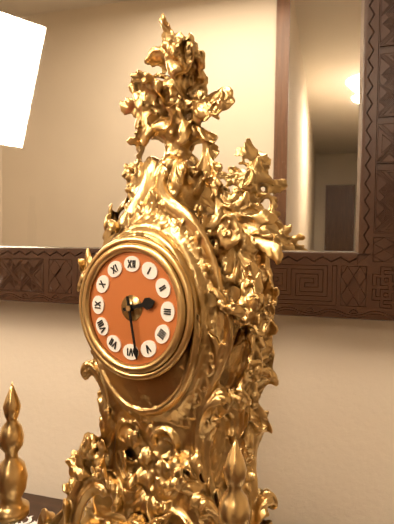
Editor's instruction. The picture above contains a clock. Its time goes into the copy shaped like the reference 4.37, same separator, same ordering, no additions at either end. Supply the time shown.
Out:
2.28
